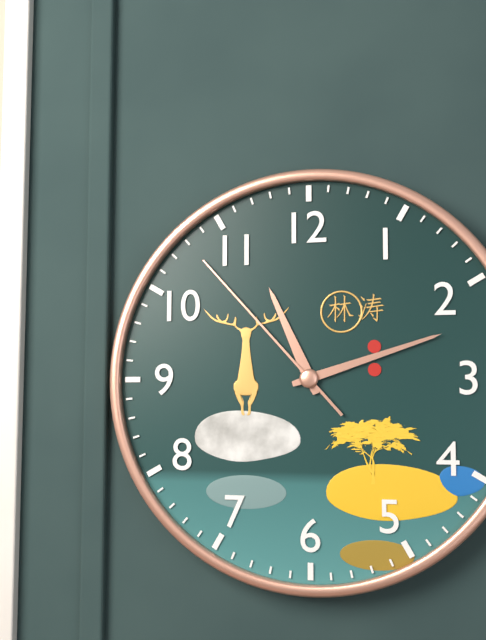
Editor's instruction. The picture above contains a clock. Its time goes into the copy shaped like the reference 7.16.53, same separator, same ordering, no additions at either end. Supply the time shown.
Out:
11.12.53
